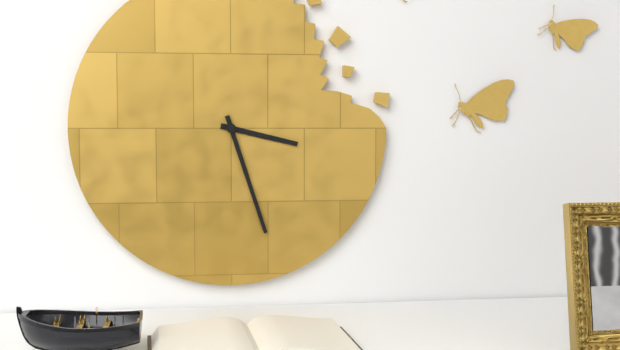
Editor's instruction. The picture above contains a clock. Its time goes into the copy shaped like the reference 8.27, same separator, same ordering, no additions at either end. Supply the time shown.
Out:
3.27
